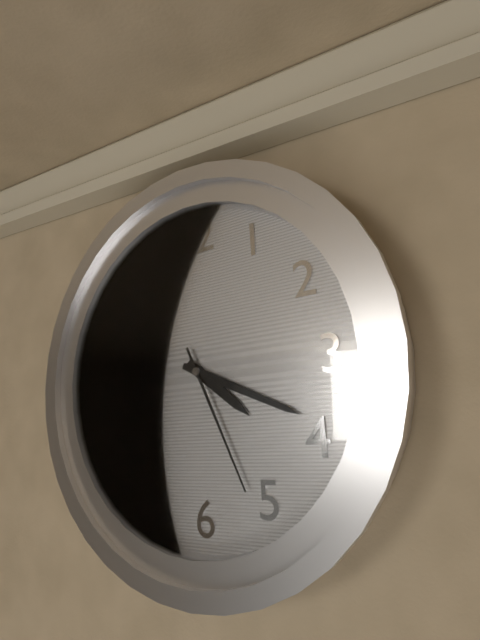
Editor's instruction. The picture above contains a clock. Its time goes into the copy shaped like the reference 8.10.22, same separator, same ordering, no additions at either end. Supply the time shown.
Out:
4.19.26
